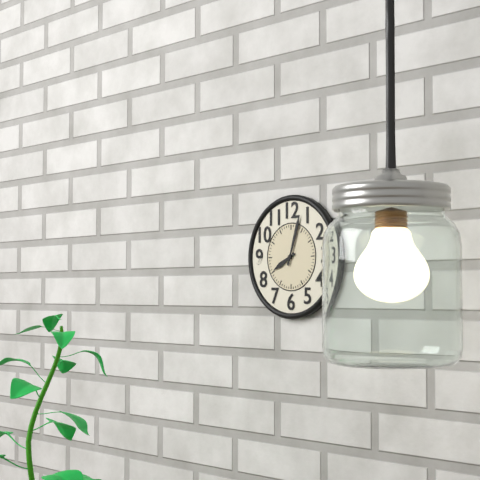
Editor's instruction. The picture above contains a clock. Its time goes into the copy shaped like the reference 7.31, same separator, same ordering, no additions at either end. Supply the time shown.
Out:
8.03
